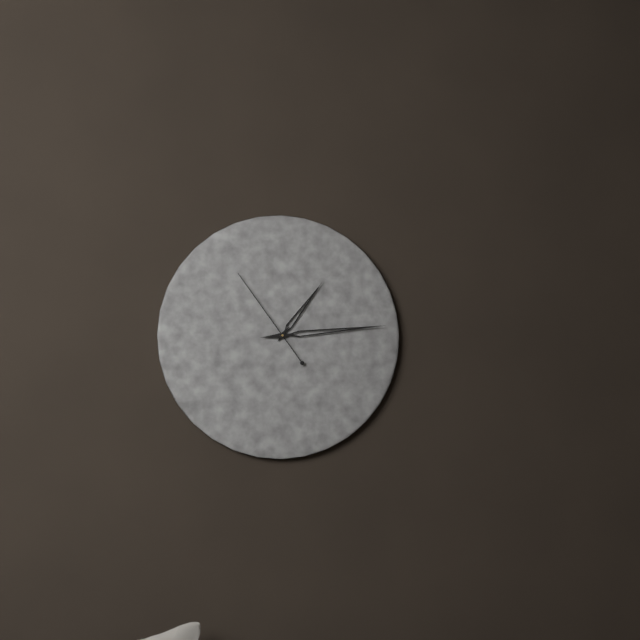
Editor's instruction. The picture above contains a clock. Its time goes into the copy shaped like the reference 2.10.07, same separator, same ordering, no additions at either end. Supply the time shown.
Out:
1.14.54
